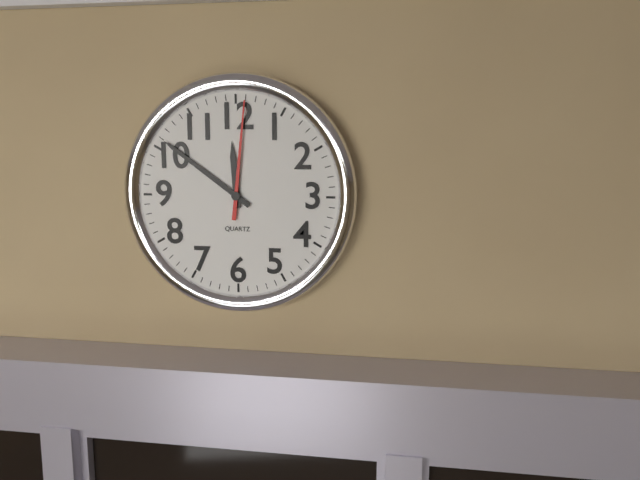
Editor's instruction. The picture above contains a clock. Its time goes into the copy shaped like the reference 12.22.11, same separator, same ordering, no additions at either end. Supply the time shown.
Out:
11.51.01
